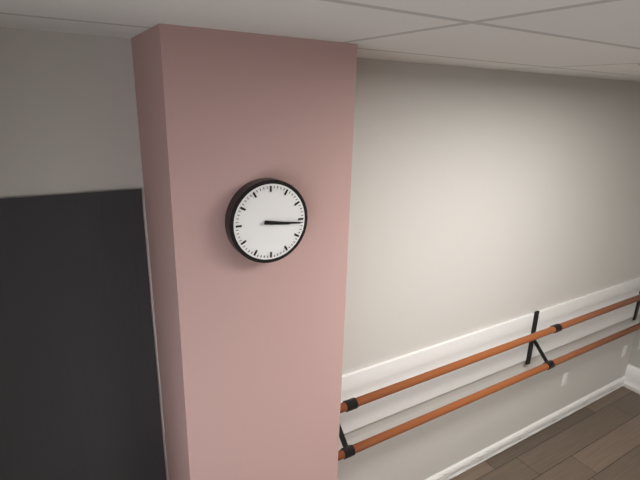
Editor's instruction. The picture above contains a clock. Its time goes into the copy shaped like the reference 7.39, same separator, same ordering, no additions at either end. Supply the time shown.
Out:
3.16
